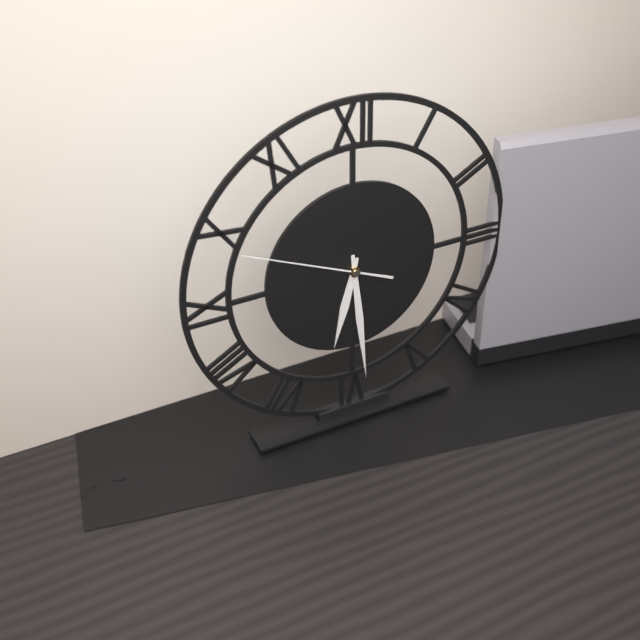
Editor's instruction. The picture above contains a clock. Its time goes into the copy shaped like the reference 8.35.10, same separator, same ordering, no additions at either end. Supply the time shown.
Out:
6.29.49
